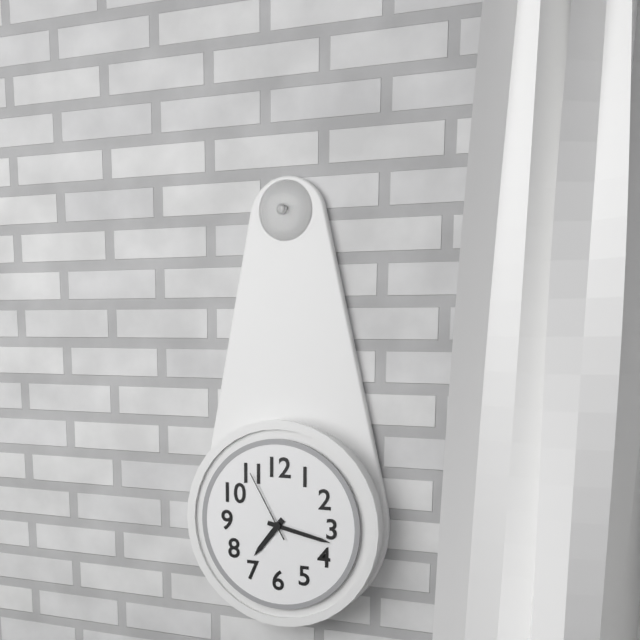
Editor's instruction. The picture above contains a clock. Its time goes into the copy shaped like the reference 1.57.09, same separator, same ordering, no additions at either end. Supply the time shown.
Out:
7.17.55
